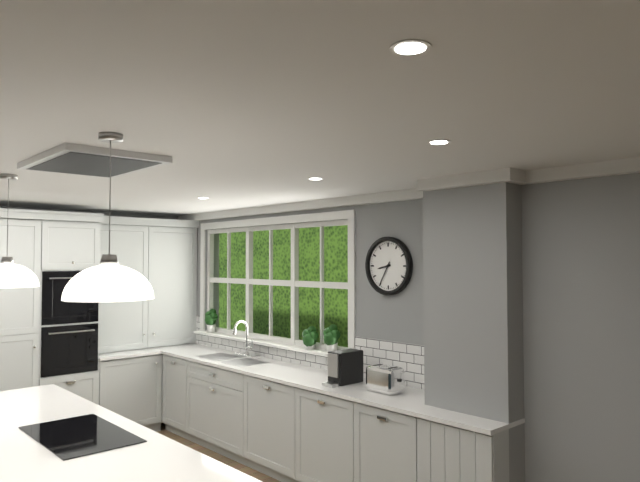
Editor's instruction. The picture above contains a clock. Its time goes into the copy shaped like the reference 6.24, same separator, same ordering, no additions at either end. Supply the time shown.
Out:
8.35
